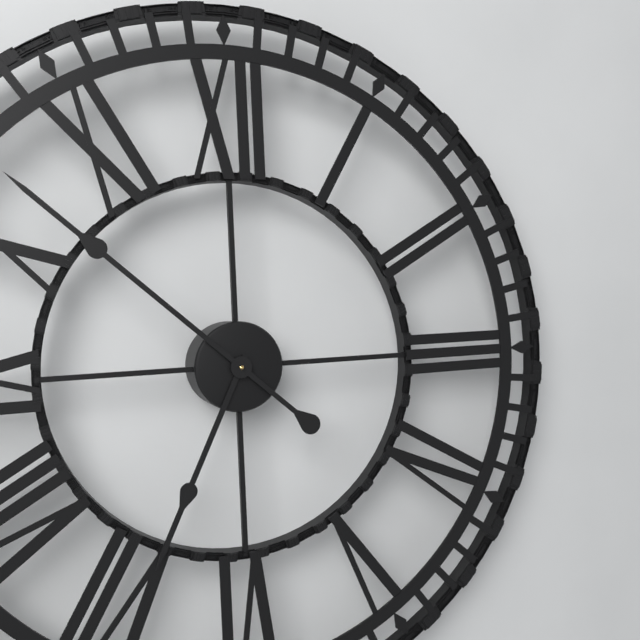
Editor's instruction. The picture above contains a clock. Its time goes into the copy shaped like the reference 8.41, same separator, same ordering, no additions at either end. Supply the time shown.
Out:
6.52
